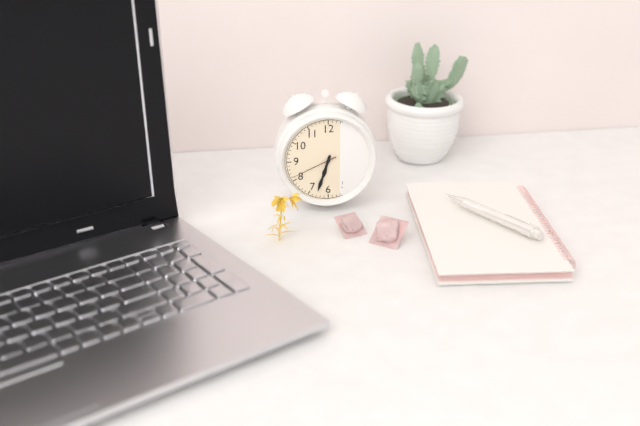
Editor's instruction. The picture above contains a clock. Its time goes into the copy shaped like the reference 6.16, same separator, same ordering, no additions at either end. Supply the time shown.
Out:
6.33
